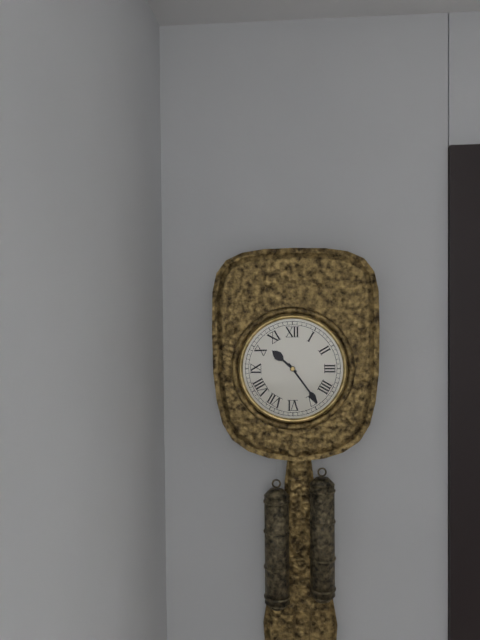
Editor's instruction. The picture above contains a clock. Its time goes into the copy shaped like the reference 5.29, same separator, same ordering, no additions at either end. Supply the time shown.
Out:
10.24
